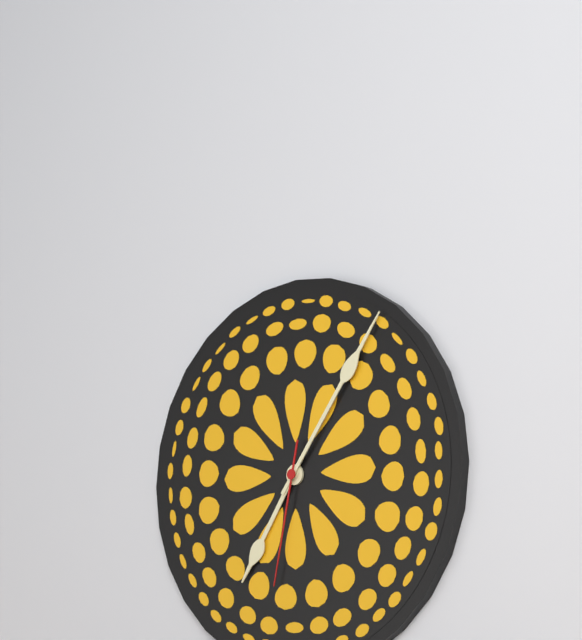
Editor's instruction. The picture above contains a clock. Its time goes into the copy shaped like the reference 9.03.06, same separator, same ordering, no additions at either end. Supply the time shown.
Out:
7.06.32
